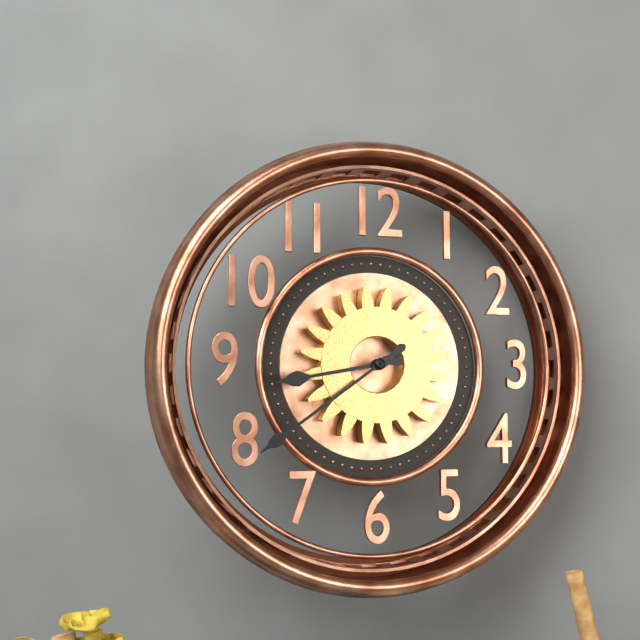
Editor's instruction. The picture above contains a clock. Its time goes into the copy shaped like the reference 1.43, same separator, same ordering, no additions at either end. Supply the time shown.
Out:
8.39
